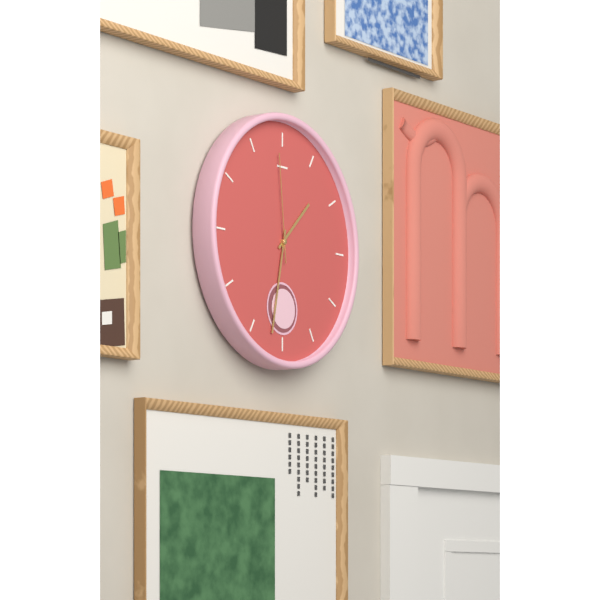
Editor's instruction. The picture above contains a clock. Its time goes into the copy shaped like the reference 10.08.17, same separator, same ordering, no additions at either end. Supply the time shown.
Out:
1.32.59
